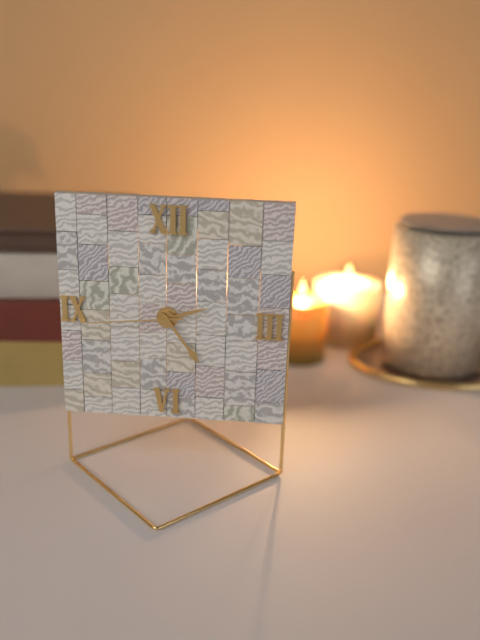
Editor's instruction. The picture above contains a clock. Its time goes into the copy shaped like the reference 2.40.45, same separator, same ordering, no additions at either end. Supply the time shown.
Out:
2.24.44
